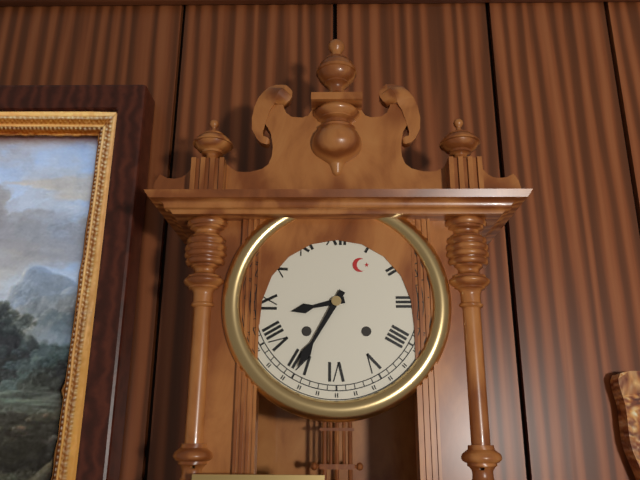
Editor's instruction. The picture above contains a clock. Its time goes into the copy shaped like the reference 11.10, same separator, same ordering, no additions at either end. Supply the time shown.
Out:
8.35
